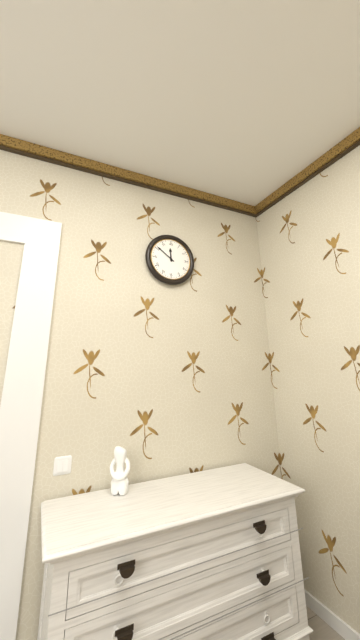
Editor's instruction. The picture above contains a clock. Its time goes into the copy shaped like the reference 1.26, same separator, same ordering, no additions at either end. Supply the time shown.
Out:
11.51
